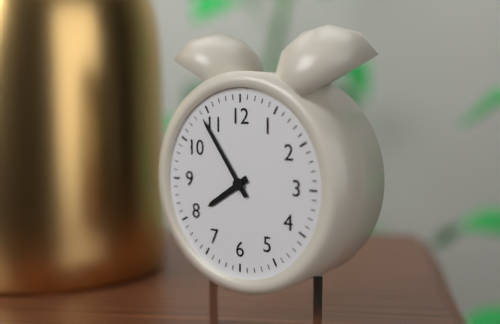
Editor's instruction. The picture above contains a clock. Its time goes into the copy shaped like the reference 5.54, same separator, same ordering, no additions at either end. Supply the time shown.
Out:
7.54
